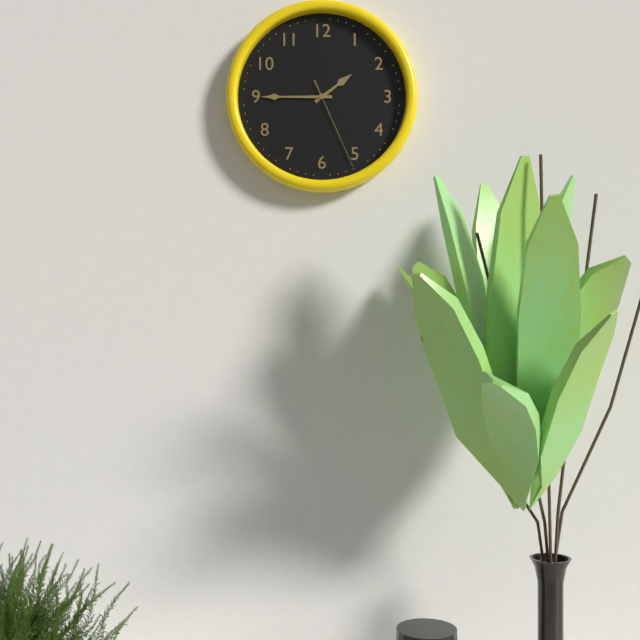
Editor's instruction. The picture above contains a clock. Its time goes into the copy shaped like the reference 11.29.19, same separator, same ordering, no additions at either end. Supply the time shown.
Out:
1.45.26
